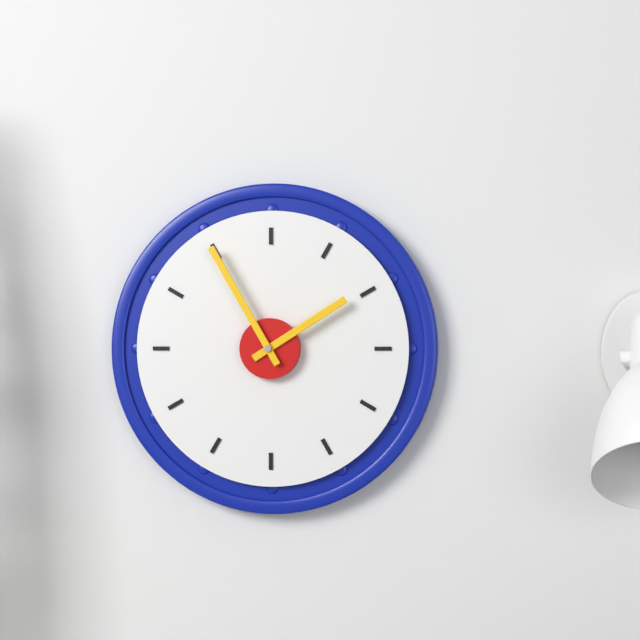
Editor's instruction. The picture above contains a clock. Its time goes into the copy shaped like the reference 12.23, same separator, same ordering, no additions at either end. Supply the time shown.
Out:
1.55
